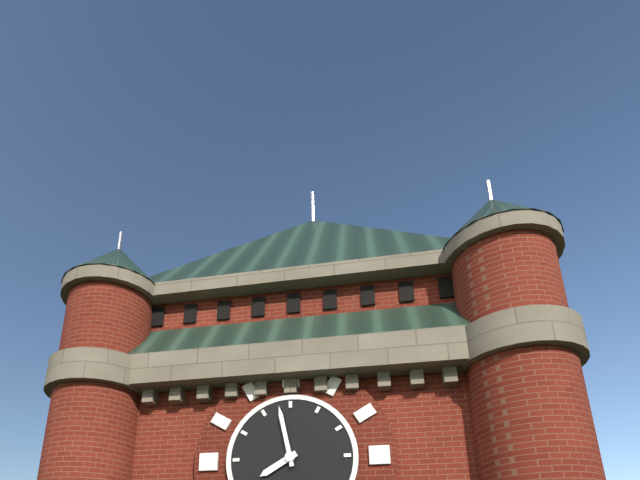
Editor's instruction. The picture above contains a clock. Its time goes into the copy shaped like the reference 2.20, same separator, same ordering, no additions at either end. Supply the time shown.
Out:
7.58
